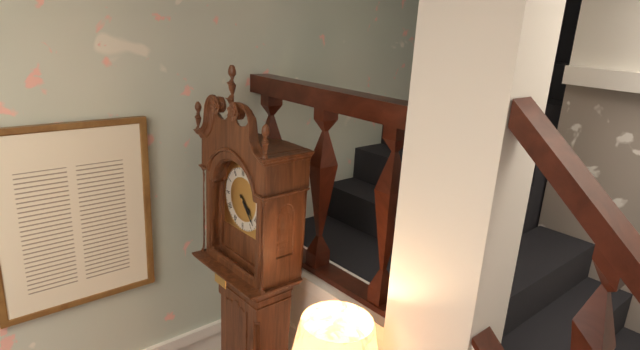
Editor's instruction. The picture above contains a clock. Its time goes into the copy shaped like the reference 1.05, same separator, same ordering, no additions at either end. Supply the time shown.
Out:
4.23
